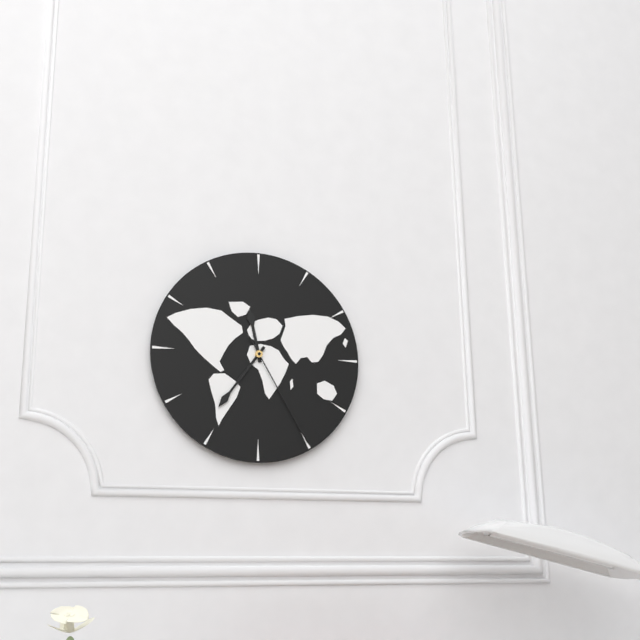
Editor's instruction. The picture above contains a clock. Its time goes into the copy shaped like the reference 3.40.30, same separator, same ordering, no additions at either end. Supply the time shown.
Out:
11.36.25
